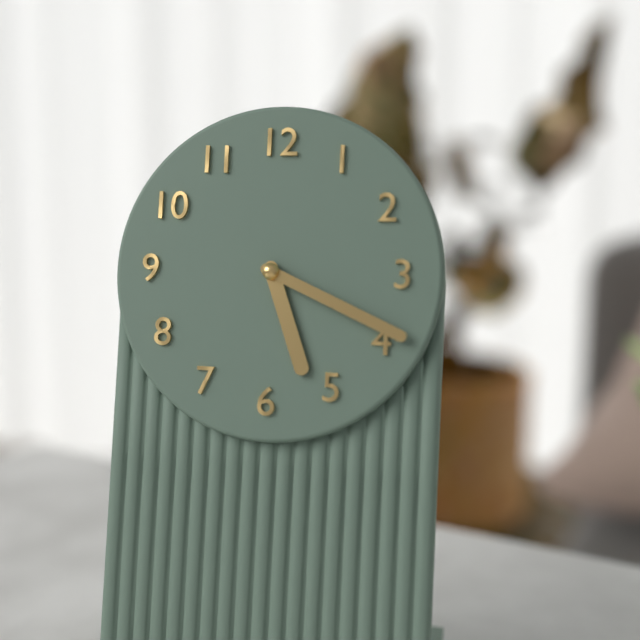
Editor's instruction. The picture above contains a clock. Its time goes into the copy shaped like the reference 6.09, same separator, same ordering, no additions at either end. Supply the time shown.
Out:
5.19
